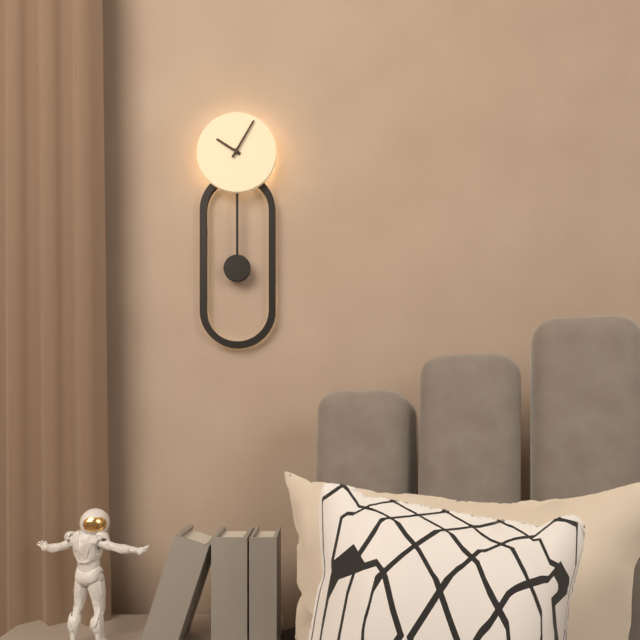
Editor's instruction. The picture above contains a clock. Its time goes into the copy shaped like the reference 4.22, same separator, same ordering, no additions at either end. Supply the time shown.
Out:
10.05
